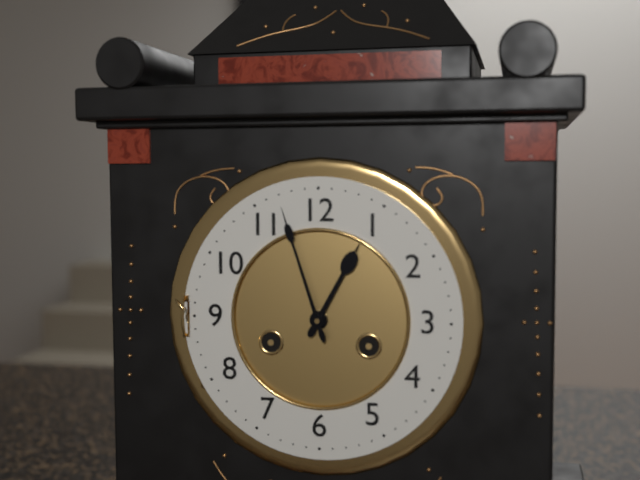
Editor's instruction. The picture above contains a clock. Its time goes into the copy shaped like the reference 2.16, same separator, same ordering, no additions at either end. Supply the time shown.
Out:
12.57
